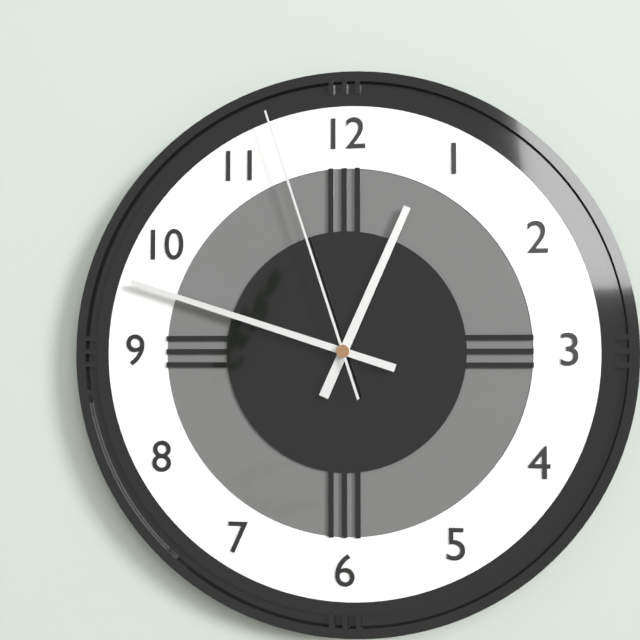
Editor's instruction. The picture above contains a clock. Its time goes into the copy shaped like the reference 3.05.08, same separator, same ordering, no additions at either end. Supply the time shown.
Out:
12.48.57
